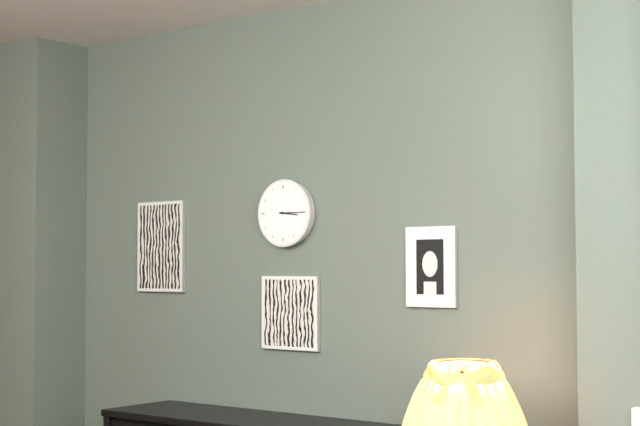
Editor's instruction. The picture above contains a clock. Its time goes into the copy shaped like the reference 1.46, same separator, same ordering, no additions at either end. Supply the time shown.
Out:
3.15
